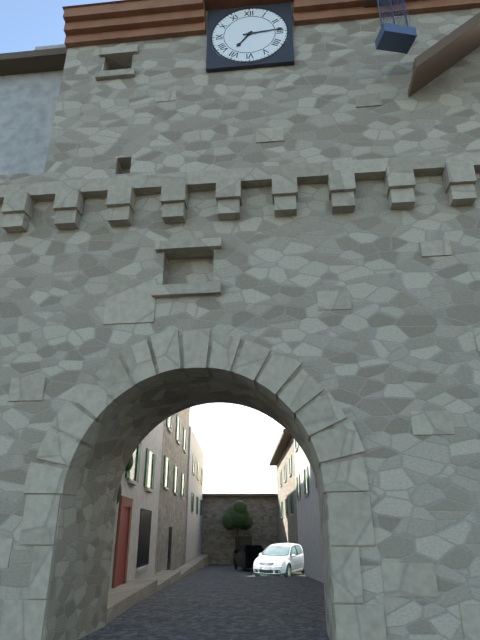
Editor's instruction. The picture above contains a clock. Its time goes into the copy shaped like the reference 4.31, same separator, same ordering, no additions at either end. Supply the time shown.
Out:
7.14
